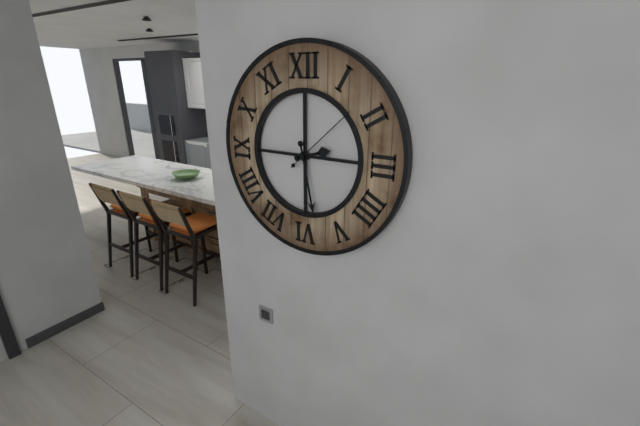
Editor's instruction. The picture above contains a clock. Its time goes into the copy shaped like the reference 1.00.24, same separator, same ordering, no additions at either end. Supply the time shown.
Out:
2.28.08
